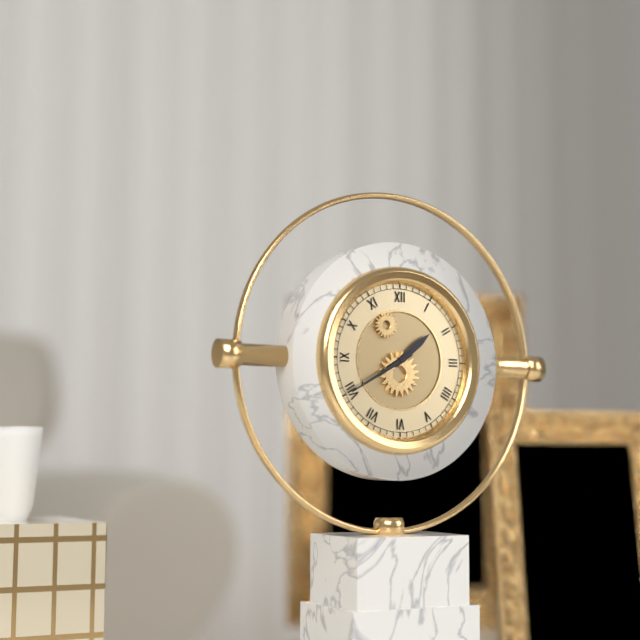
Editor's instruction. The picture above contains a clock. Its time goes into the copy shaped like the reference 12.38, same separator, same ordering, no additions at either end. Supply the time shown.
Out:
1.40
